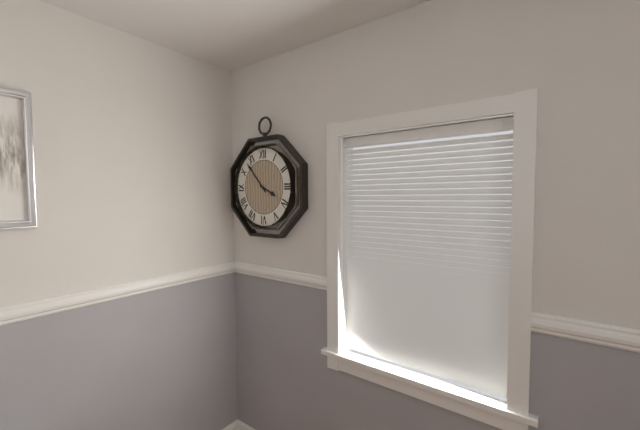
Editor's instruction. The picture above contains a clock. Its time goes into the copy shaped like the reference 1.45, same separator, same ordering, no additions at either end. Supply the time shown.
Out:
3.53
